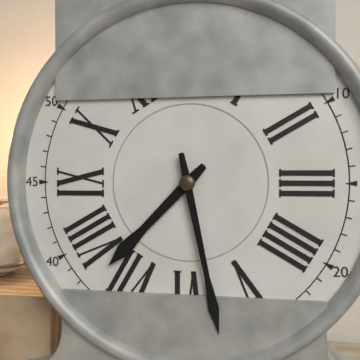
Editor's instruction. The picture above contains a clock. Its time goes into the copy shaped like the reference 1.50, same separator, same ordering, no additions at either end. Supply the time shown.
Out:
7.28
